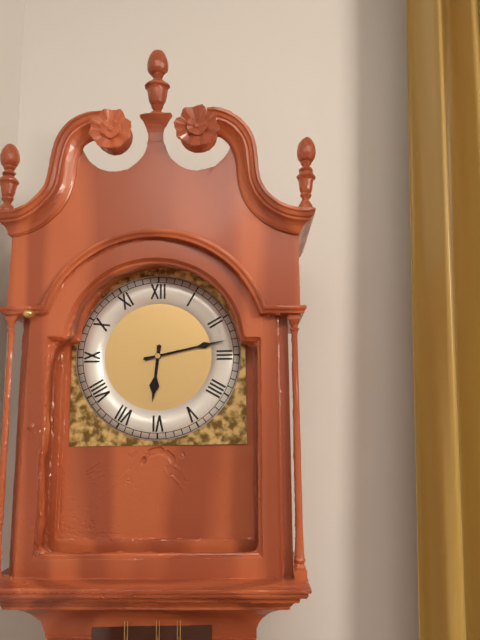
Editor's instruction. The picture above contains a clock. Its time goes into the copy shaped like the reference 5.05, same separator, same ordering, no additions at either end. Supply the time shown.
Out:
6.13
